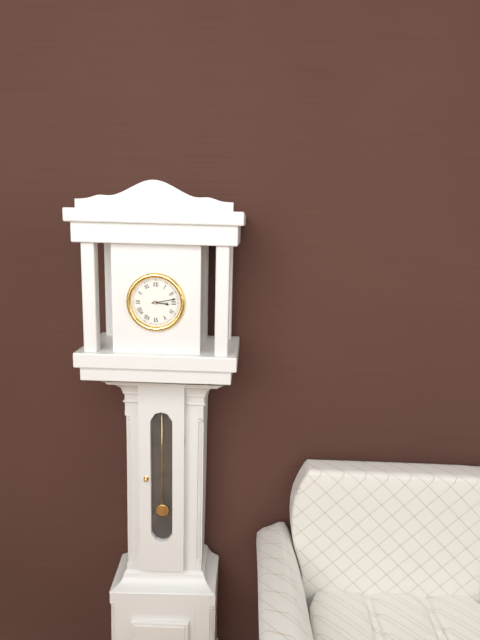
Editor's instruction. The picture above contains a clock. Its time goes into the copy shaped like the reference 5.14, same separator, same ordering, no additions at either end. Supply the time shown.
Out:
3.13
